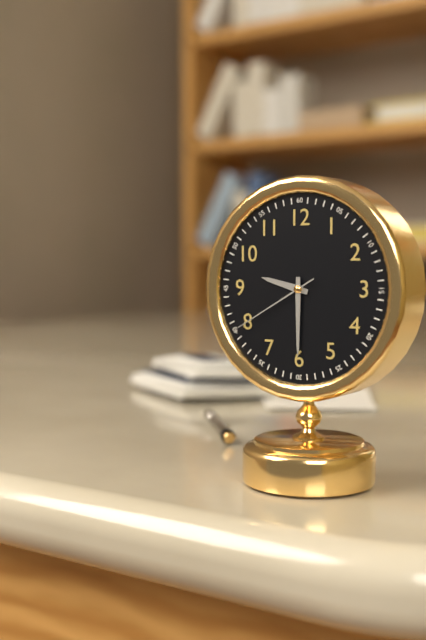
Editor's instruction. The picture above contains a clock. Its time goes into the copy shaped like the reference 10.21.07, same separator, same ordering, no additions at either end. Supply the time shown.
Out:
9.30.40
